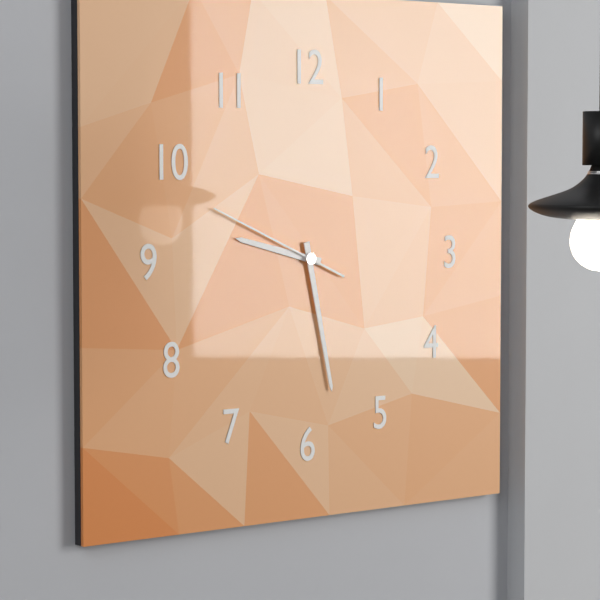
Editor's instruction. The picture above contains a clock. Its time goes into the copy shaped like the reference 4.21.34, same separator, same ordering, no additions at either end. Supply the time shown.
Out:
9.28.49
